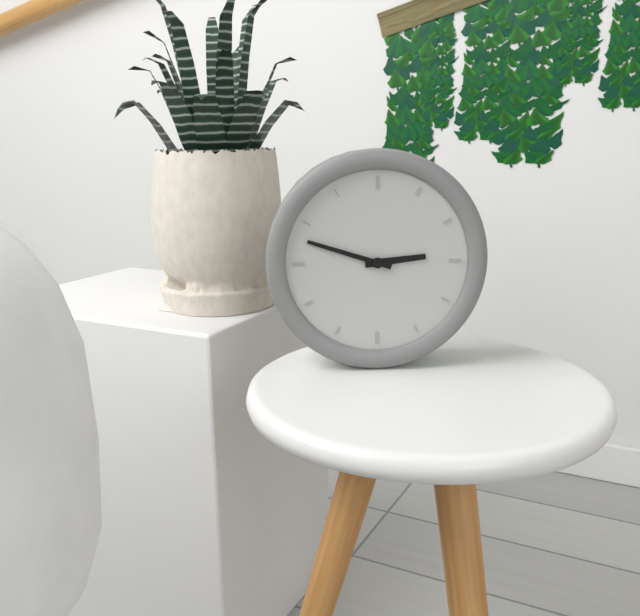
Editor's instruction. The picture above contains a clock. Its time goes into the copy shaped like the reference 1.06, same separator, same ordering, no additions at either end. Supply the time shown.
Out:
2.48
